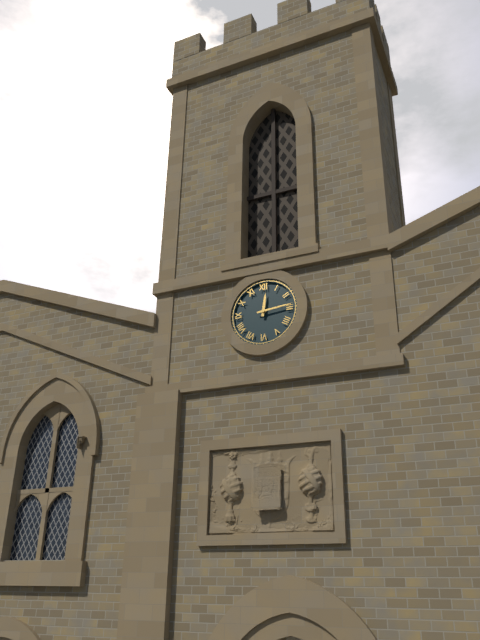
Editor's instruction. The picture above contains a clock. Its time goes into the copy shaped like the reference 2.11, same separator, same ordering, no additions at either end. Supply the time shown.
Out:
12.14
